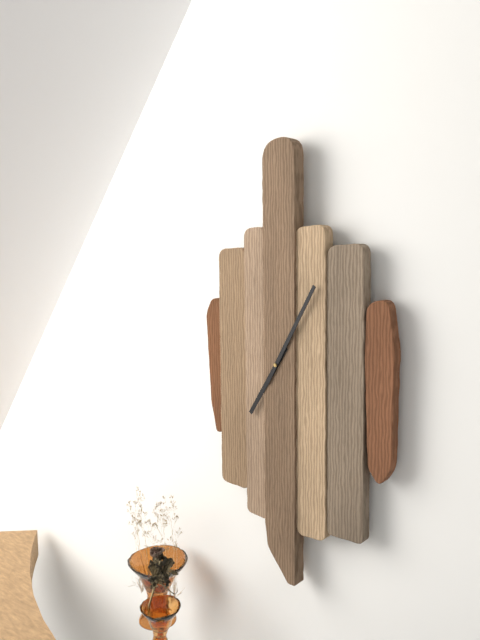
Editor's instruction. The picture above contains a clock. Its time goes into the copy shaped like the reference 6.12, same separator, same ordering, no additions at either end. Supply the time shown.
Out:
7.05
